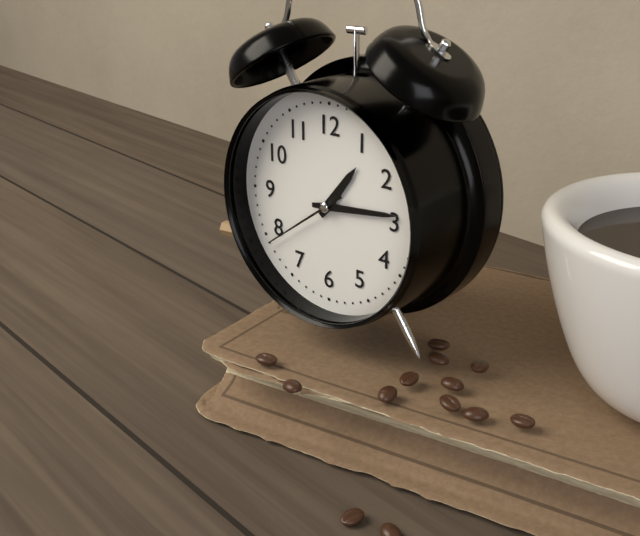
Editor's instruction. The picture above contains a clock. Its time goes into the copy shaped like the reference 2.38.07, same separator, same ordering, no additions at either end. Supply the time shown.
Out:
1.14.39
